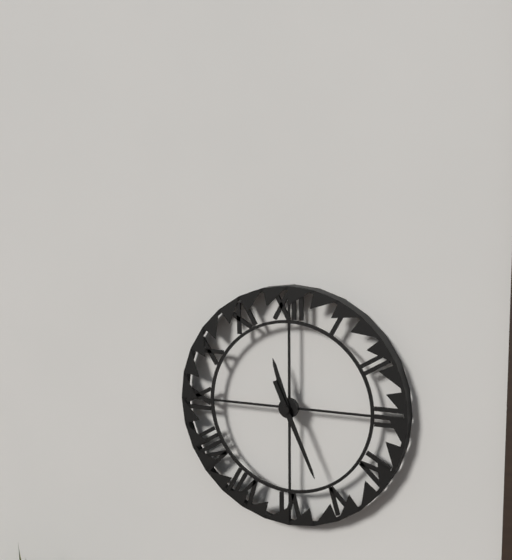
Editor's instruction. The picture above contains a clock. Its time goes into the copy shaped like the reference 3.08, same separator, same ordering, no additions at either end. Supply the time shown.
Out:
11.26
